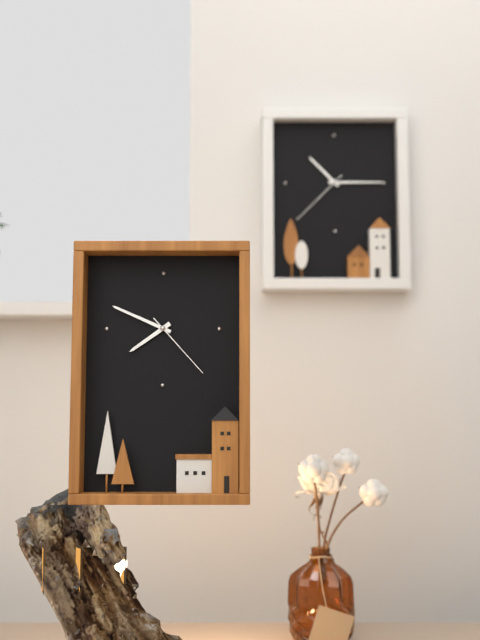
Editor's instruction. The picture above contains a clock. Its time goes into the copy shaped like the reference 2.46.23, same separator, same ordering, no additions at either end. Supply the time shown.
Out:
7.49.23
